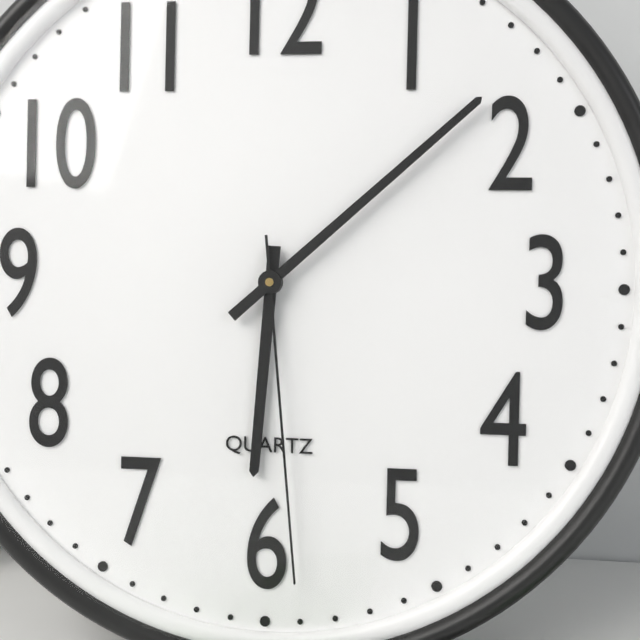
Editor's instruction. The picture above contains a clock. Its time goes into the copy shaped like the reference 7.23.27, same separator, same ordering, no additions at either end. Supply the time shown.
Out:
6.08.29
